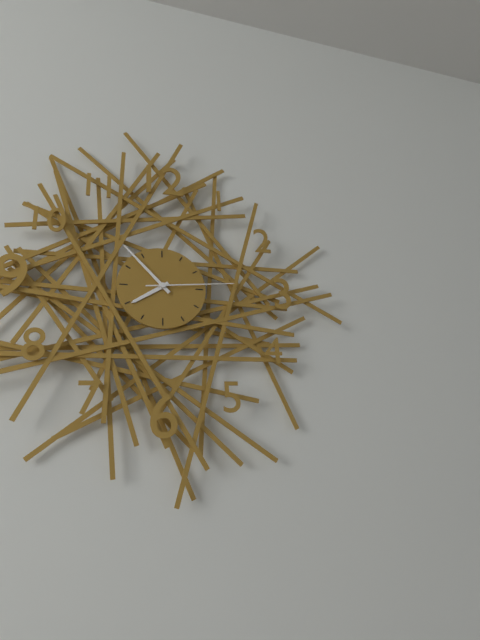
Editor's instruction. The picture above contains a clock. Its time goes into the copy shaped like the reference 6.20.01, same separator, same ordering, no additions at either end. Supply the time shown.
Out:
7.53.14
